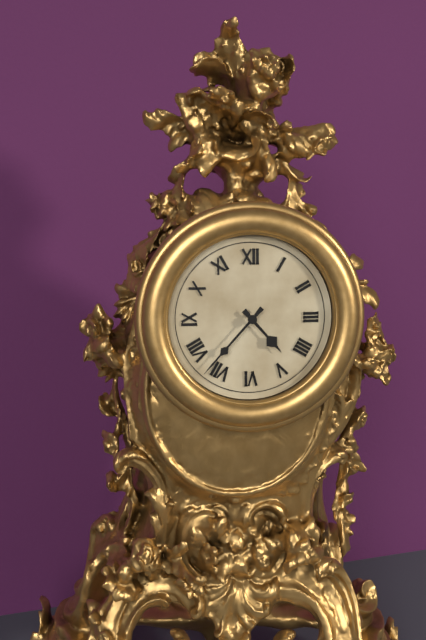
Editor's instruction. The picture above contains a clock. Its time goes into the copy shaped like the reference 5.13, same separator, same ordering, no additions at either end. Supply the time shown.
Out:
4.37
